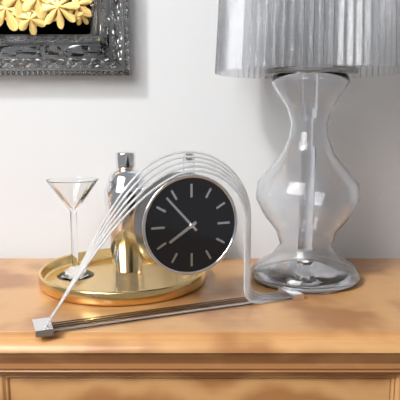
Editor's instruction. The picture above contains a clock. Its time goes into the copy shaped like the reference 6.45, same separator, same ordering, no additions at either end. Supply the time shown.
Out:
7.53
